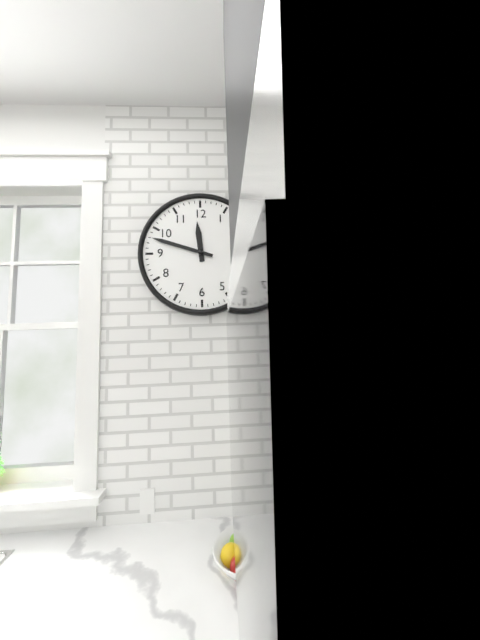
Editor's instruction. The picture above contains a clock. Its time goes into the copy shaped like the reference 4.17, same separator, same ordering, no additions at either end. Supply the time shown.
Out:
11.48
